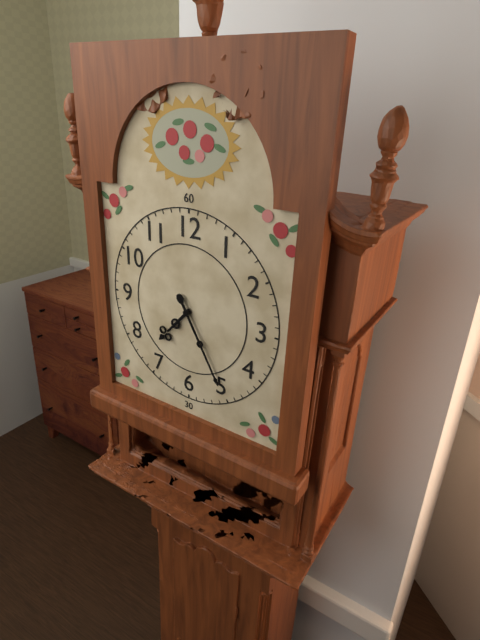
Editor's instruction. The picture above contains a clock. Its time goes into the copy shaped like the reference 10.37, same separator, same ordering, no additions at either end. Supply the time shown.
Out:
7.25
